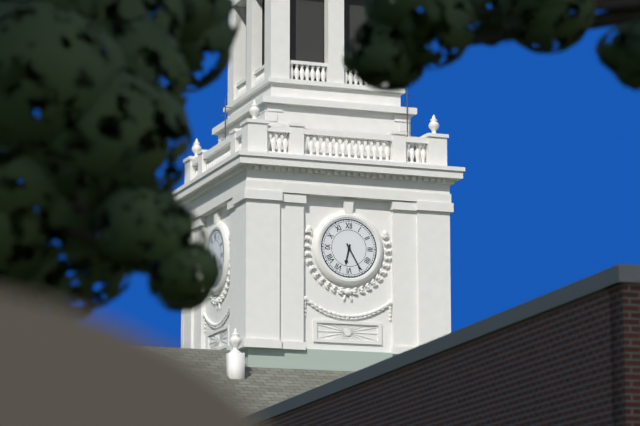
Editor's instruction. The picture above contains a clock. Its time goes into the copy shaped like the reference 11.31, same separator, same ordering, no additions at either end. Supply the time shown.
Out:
6.25
